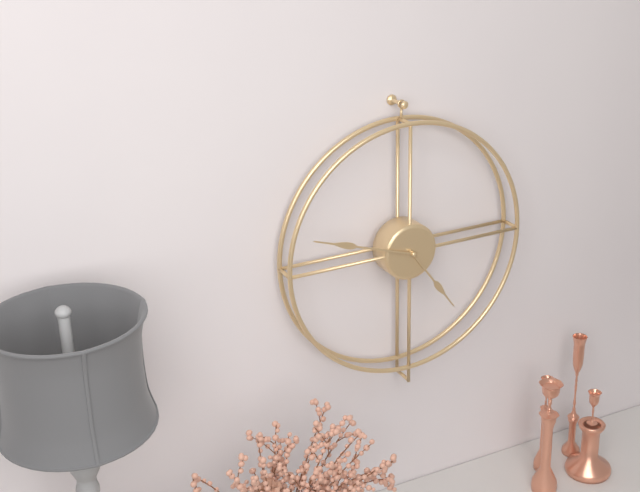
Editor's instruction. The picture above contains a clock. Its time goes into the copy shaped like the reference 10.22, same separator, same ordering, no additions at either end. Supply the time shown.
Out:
4.48
